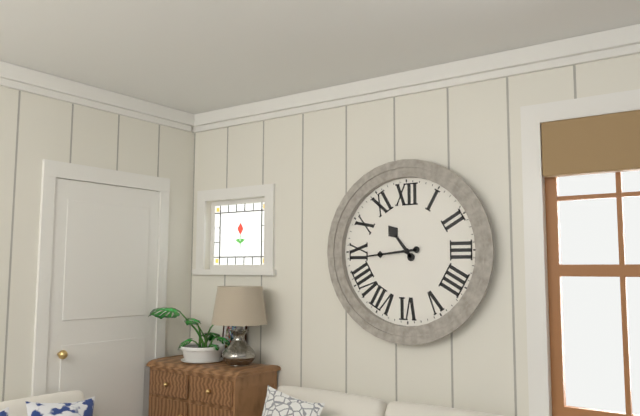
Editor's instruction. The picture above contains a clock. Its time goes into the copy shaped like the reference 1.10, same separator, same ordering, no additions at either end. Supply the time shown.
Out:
10.44
